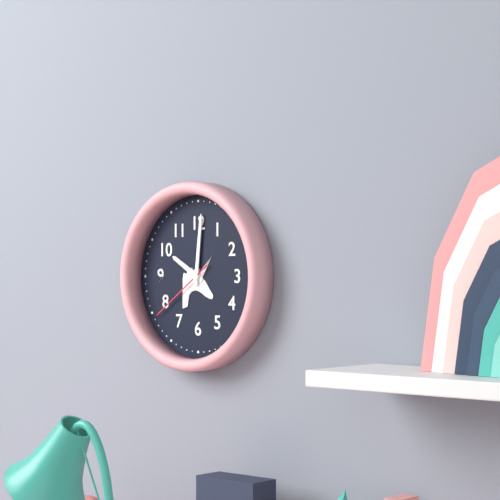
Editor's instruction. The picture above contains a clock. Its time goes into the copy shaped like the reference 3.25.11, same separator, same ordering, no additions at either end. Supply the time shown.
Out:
10.01.39
